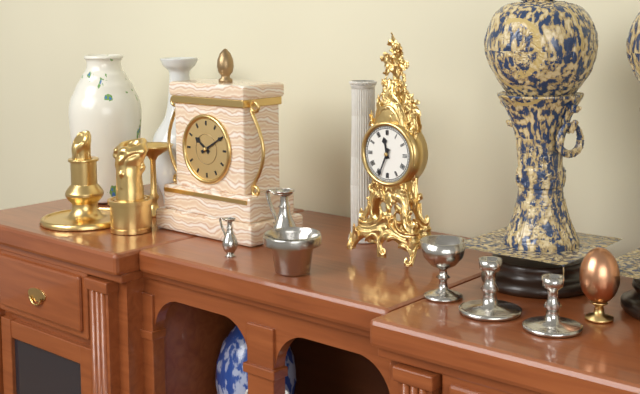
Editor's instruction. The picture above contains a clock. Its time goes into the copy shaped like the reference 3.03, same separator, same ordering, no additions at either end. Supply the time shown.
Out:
11.34
